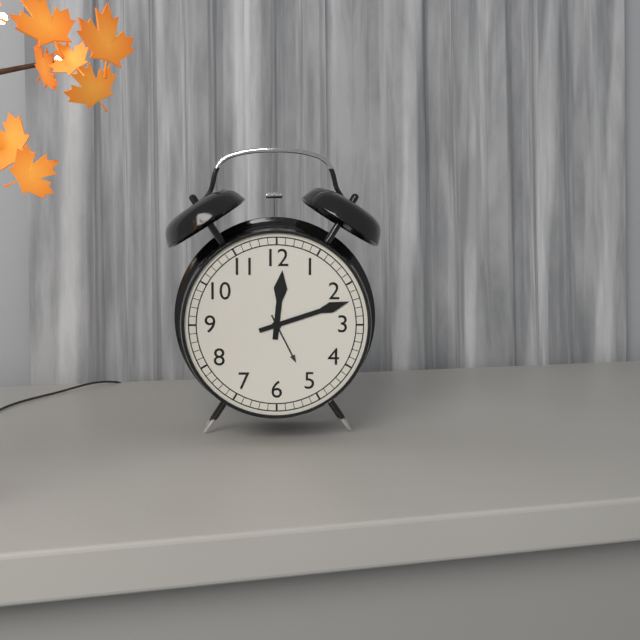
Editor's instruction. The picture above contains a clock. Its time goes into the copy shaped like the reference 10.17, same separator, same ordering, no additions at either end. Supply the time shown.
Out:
12.12
